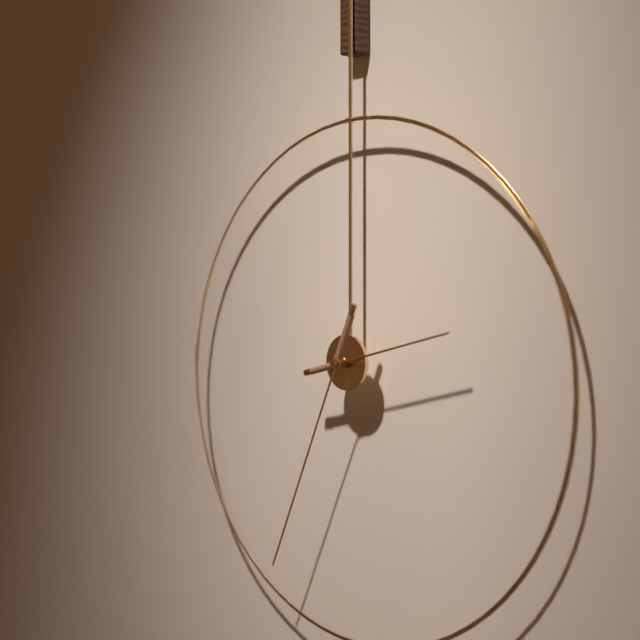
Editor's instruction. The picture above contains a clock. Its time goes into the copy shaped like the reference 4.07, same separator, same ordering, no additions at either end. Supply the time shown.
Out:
2.34
